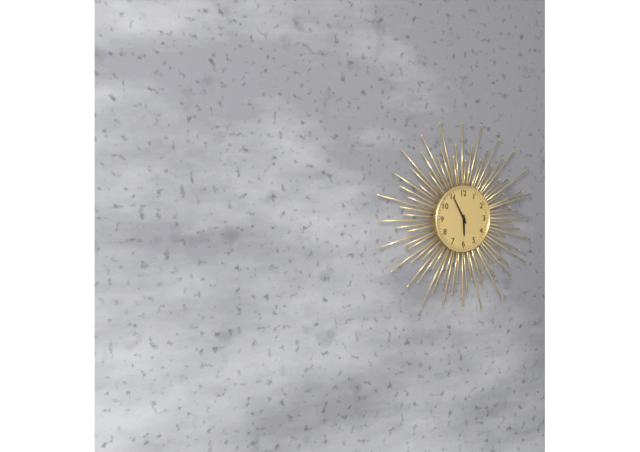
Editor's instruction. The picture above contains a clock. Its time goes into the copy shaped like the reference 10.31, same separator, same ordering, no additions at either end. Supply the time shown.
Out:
5.55
